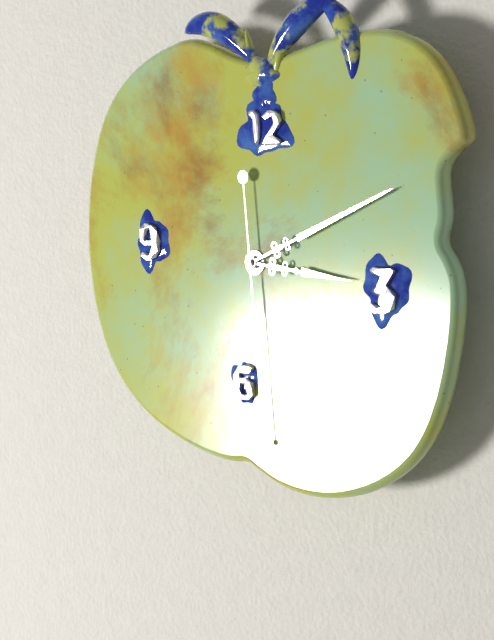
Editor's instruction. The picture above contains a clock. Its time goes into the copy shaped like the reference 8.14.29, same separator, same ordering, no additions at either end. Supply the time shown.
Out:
3.11.29
